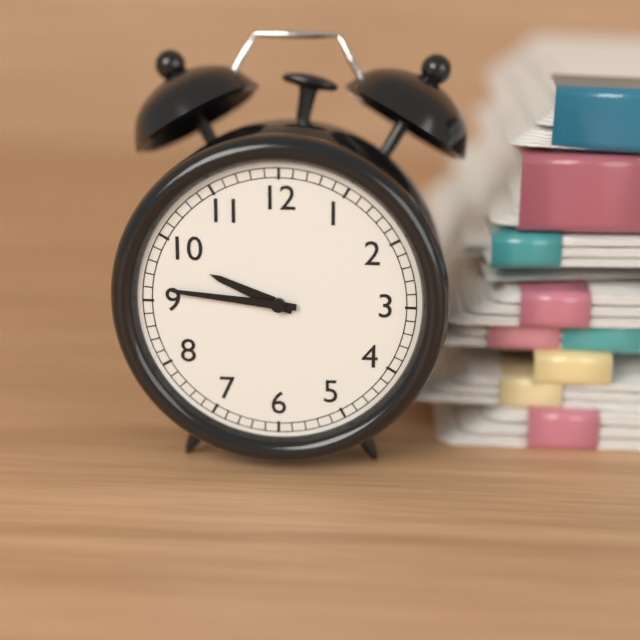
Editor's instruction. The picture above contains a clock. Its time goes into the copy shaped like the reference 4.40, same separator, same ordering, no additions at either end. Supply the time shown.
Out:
9.46
